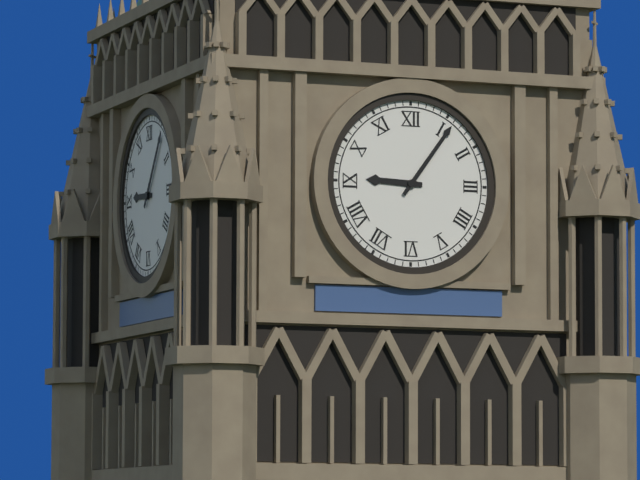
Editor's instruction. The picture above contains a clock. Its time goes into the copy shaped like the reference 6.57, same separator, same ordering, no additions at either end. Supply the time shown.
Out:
9.06
